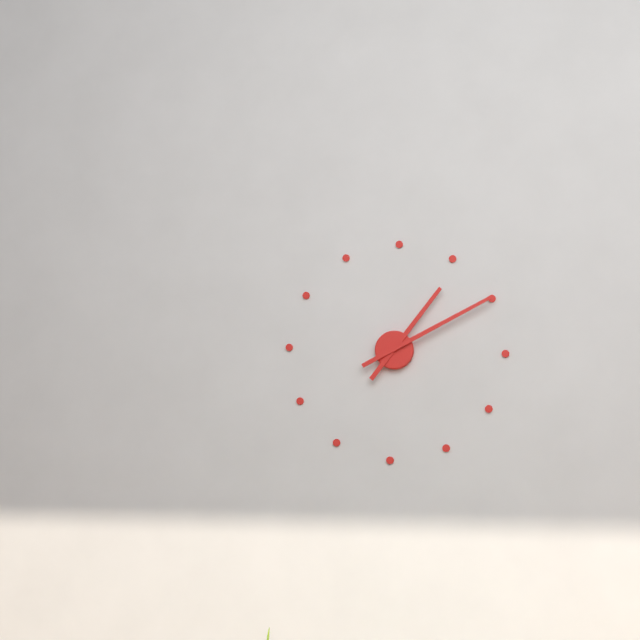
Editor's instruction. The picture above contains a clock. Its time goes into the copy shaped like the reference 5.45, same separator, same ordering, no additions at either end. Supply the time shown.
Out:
1.10
